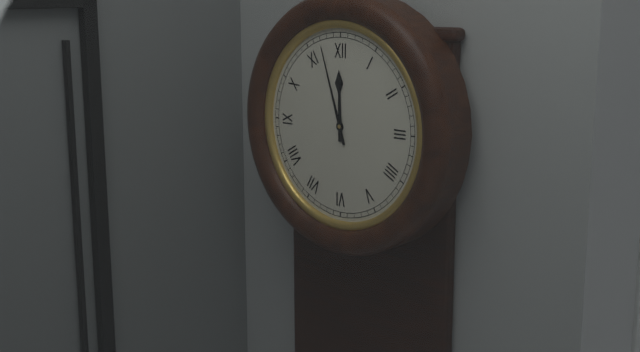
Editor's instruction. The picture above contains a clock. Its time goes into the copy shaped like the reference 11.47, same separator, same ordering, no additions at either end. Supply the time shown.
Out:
11.57
